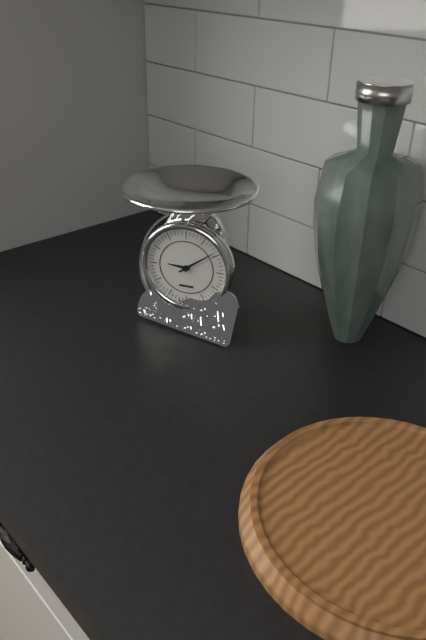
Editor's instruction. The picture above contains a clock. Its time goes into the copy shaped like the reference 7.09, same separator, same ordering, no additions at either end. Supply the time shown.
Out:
9.09
